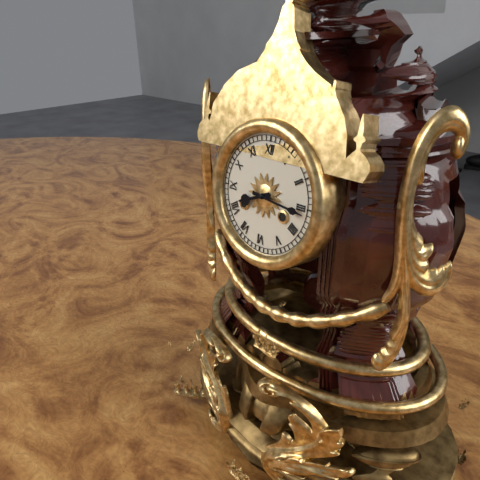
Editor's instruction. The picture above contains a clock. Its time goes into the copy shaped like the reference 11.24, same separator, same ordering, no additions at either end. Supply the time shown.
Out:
8.16
